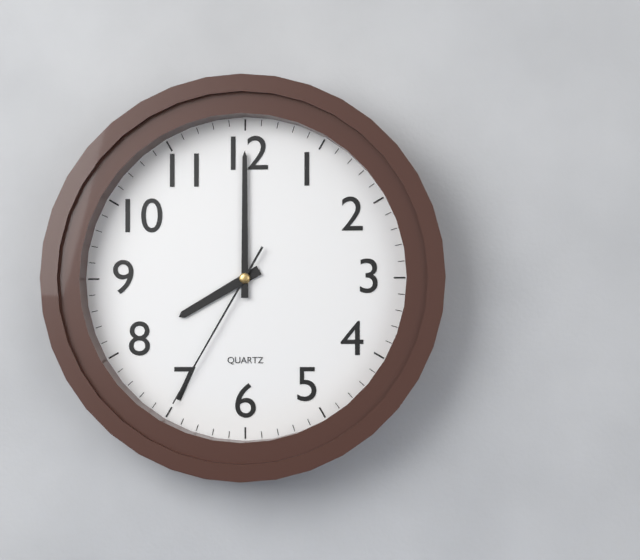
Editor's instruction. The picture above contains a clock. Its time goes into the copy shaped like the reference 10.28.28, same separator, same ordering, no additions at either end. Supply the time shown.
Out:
8.00.35
